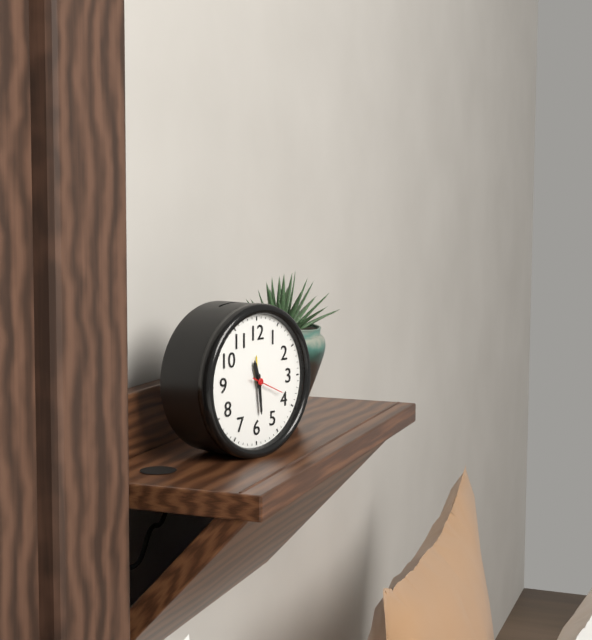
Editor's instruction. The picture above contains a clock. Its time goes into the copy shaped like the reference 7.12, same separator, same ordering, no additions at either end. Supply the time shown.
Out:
11.29
